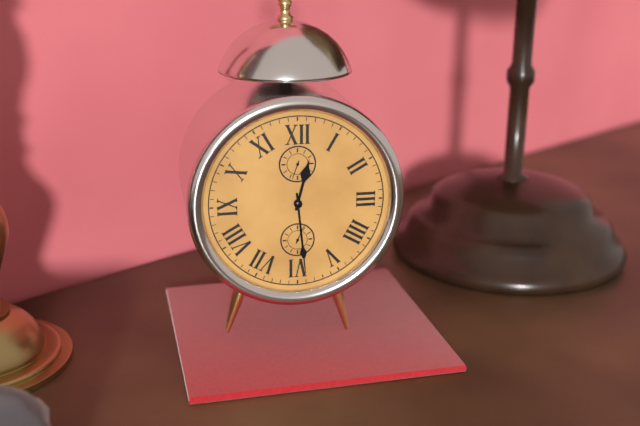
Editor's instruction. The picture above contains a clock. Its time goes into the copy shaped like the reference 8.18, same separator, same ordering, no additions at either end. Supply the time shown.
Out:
12.29
